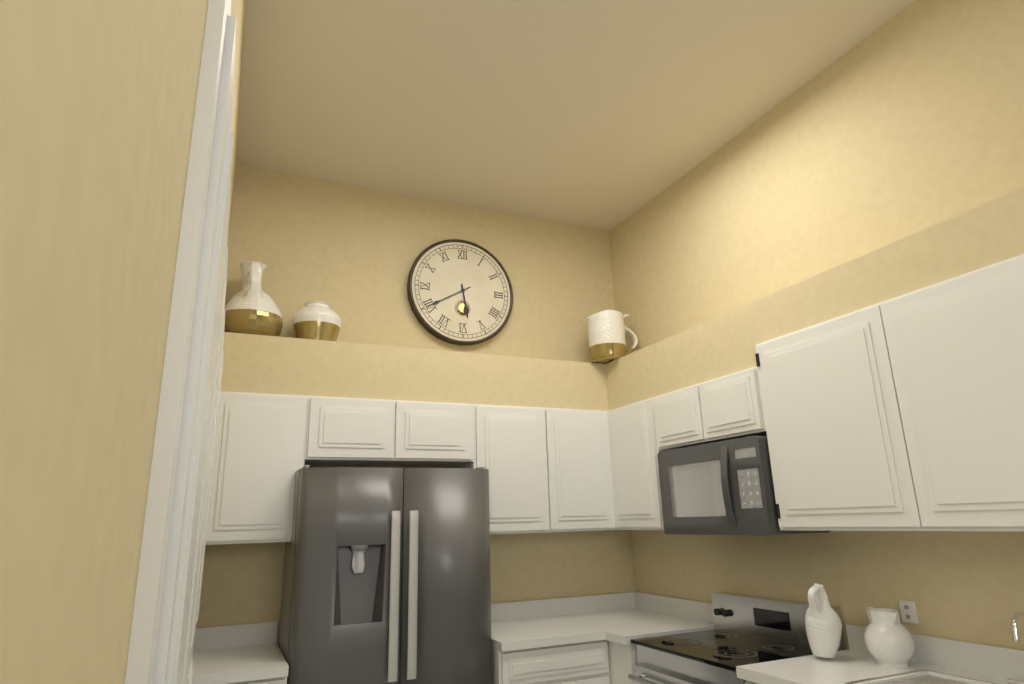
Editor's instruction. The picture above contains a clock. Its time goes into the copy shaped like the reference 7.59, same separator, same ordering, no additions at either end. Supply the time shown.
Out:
5.40
